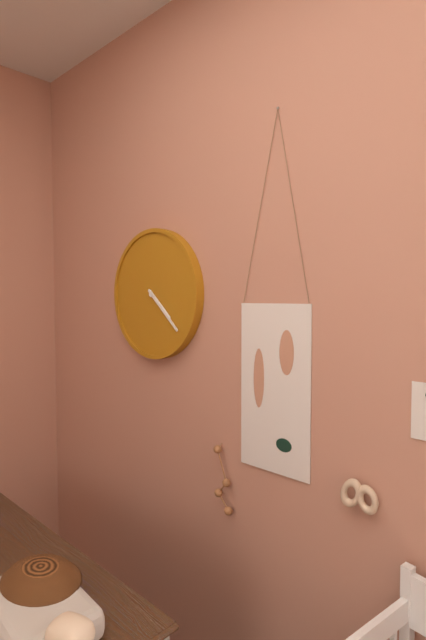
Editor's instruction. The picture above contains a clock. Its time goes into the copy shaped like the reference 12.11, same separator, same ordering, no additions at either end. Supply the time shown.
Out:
4.22
